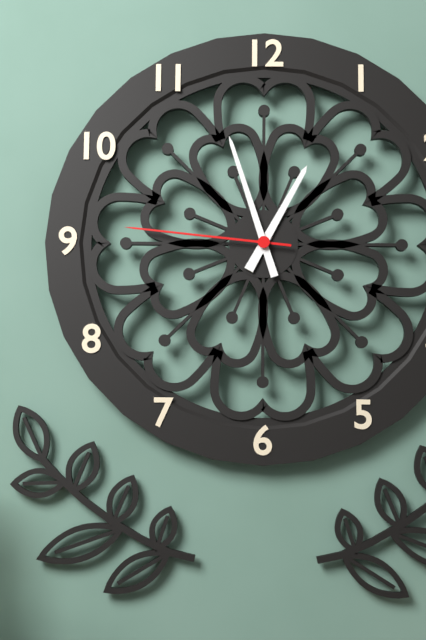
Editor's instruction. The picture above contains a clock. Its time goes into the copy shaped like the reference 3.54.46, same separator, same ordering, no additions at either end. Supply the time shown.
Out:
12.57.46
